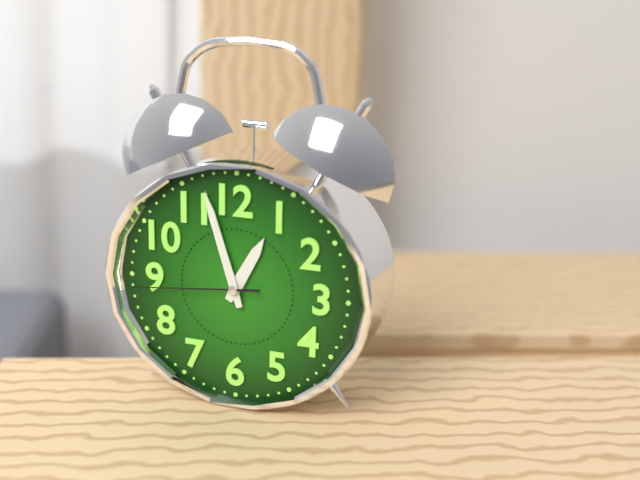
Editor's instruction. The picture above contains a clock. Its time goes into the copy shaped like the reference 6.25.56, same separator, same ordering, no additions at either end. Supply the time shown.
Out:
12.57.44
